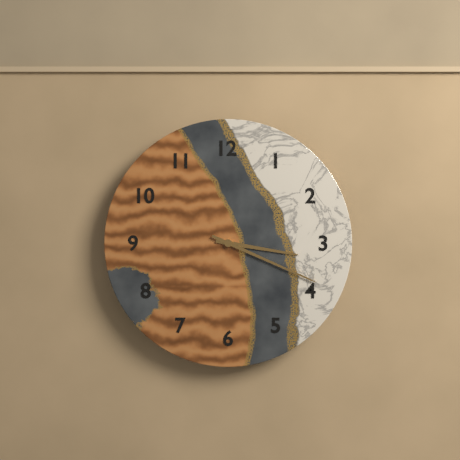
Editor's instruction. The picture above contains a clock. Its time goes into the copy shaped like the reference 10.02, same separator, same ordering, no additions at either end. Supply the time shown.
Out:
3.19
